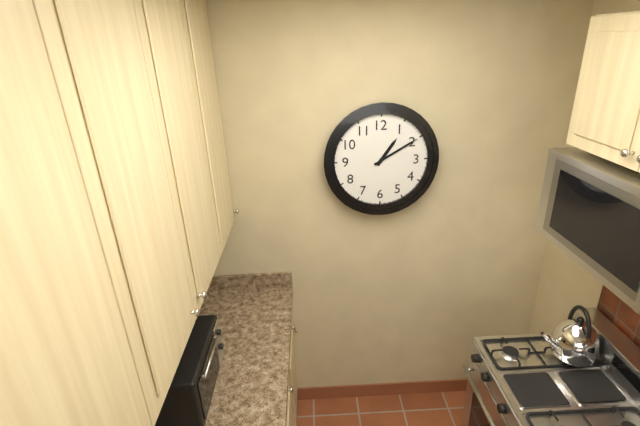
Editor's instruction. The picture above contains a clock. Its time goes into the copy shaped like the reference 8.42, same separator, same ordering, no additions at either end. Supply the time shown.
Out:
1.10
